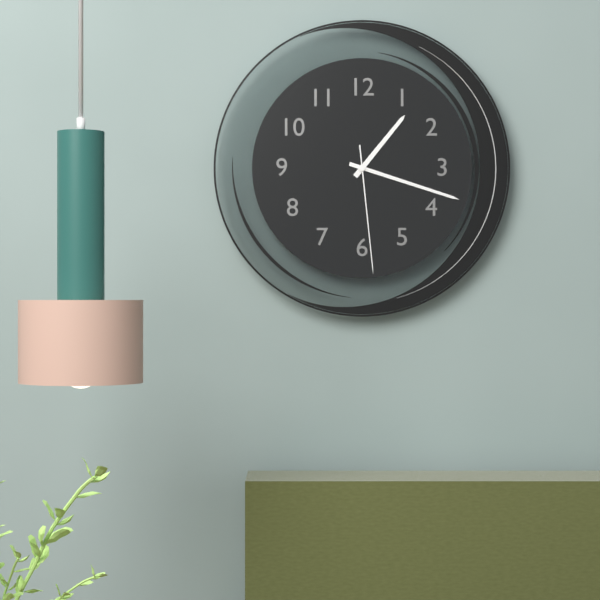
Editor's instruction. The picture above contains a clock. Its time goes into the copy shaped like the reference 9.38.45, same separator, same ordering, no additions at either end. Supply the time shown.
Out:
1.18.29
